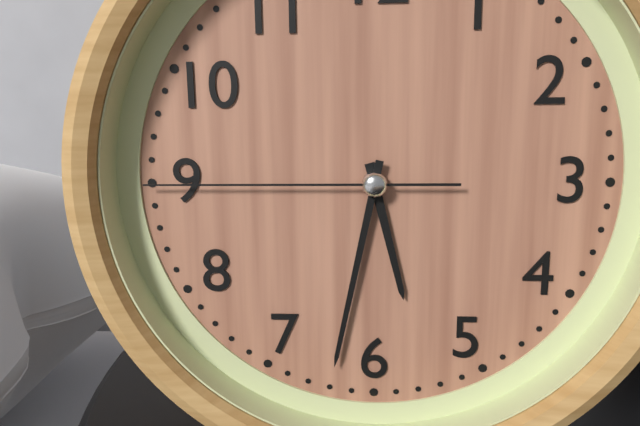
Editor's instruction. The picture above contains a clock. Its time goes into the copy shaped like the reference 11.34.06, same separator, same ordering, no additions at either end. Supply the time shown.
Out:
5.32.45
